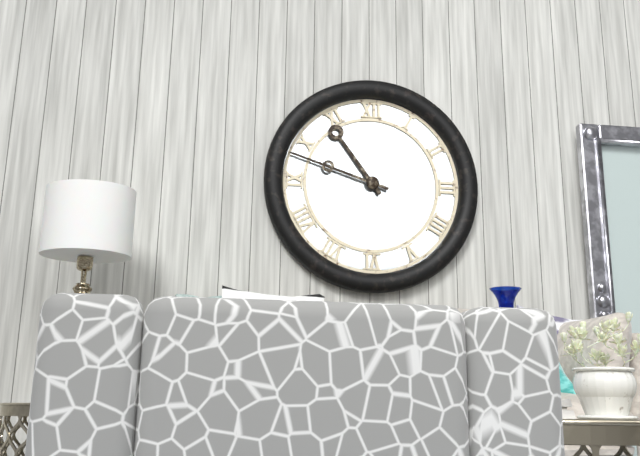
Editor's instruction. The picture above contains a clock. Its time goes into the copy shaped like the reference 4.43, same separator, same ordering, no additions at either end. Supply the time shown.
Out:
10.48
